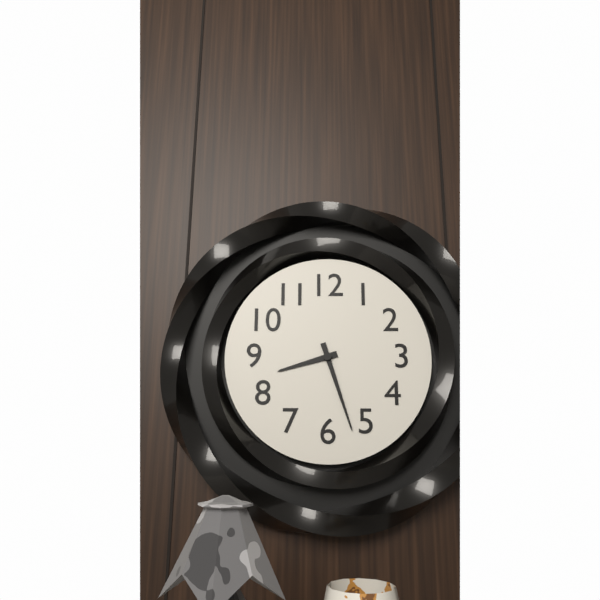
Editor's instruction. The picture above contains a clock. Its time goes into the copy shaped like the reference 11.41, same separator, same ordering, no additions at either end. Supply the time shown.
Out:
8.27
